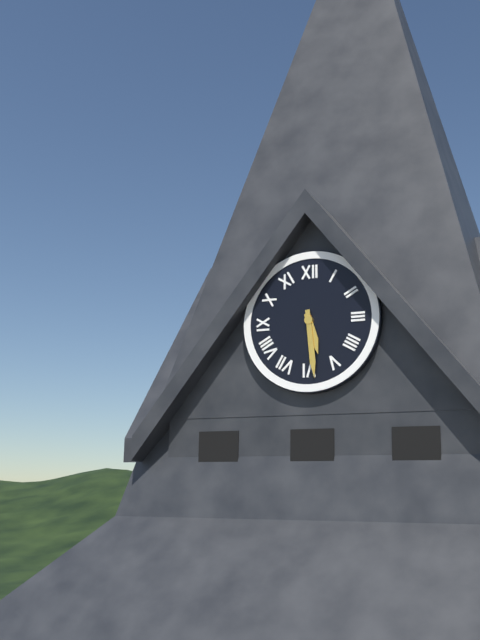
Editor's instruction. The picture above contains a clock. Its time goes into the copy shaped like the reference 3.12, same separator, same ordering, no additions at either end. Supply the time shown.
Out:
5.29
